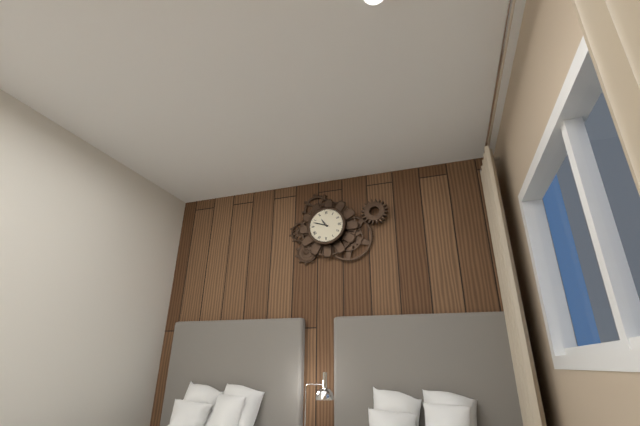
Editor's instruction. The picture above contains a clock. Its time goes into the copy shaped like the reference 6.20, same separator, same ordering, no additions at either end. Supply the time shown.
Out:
10.48
